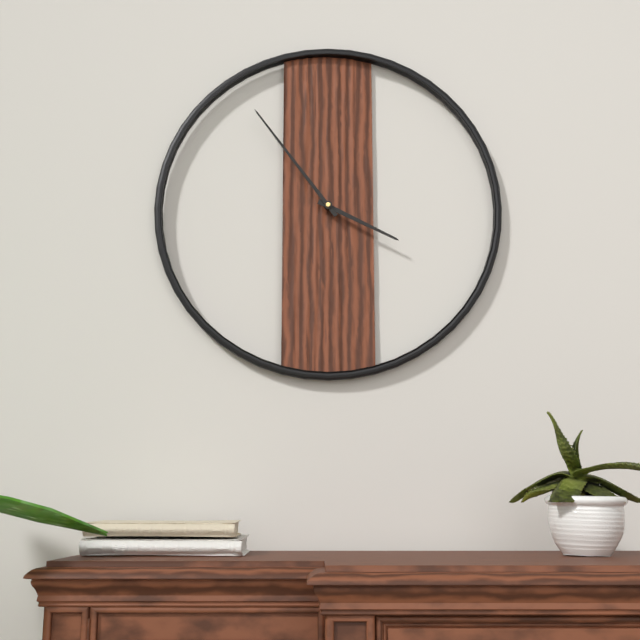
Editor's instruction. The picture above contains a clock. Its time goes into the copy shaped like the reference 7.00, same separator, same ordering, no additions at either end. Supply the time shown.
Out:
3.54
